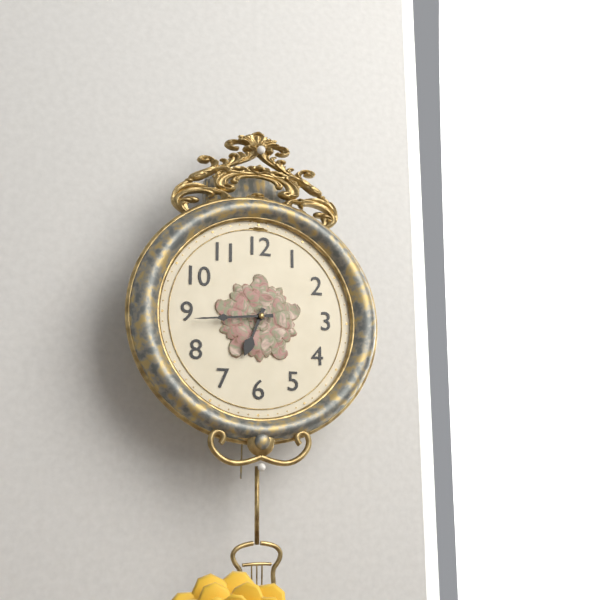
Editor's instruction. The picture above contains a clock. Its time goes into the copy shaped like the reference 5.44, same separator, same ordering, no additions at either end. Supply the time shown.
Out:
6.44
